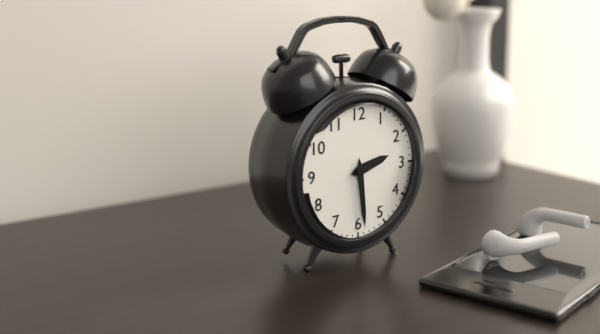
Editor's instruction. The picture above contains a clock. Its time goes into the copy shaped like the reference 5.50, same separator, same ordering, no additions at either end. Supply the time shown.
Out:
2.29
